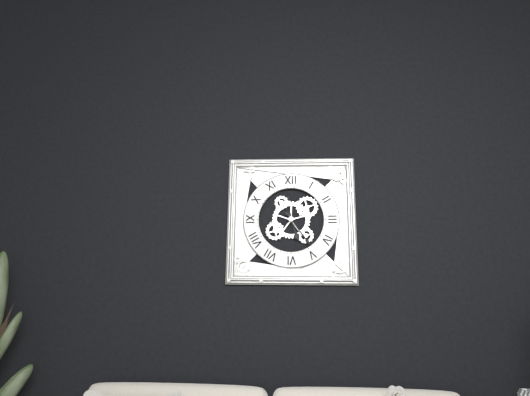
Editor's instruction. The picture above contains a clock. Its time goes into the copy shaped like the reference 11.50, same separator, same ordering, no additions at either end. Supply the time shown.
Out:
5.24
